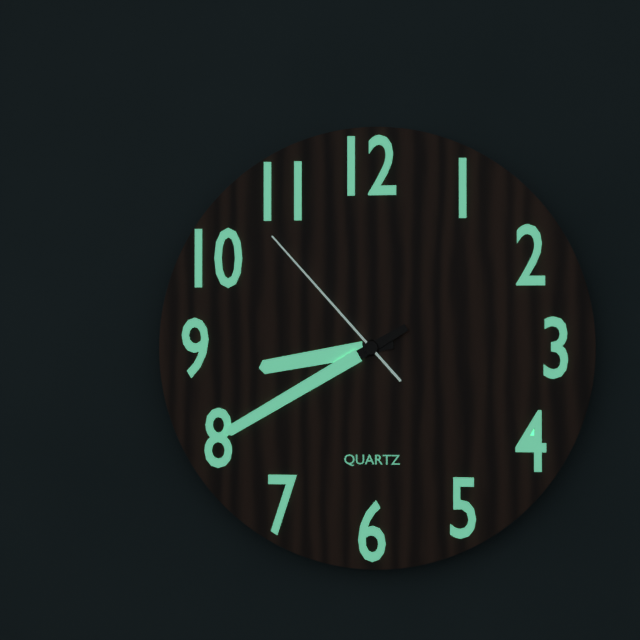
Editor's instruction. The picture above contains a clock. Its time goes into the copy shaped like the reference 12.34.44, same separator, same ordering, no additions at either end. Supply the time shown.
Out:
8.40.53
